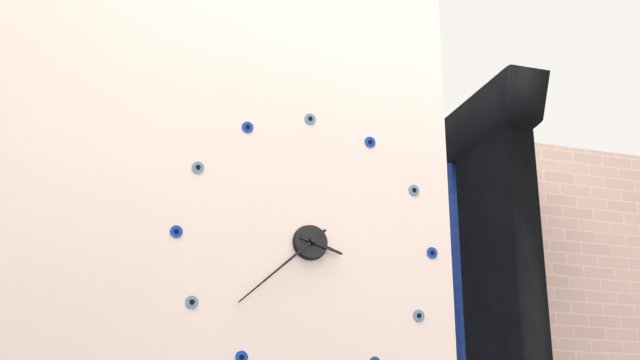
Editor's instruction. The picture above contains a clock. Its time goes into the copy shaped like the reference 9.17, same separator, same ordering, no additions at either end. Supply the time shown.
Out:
3.38
